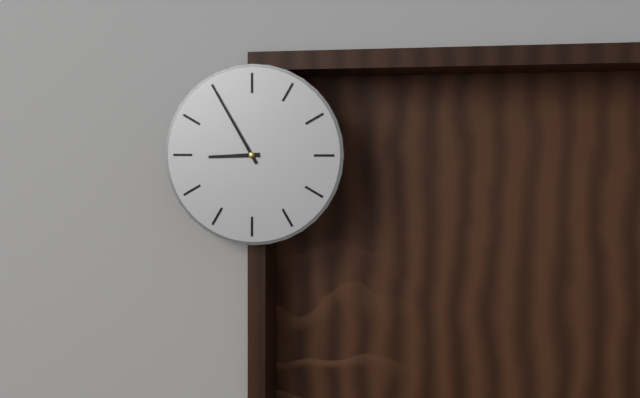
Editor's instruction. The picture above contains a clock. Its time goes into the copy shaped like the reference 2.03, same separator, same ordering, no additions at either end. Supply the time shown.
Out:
8.55
